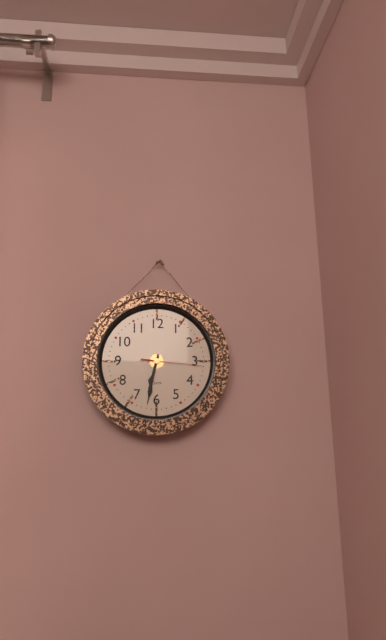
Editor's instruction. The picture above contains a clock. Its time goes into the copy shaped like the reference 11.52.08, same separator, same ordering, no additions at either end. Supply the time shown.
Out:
6.32.16
